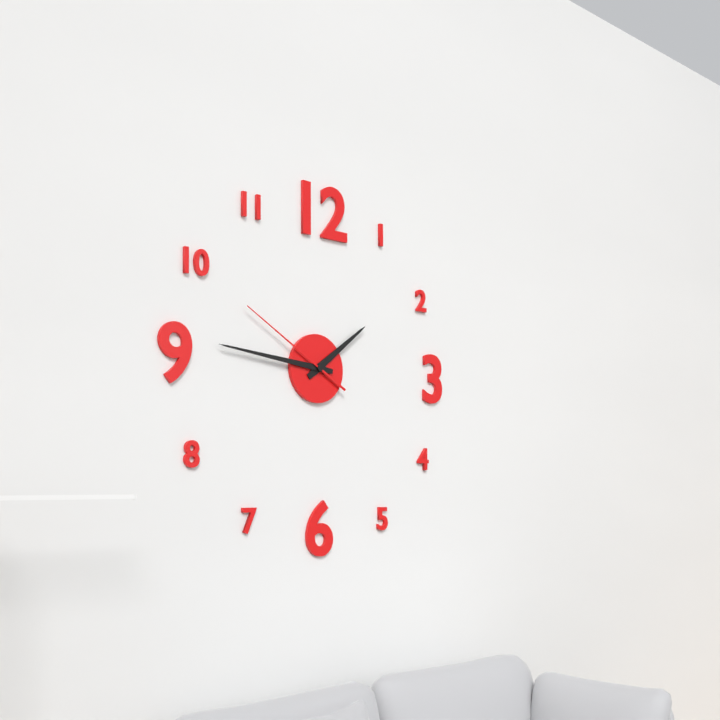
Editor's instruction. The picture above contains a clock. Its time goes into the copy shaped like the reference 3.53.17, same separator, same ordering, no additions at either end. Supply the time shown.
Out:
1.46.50
